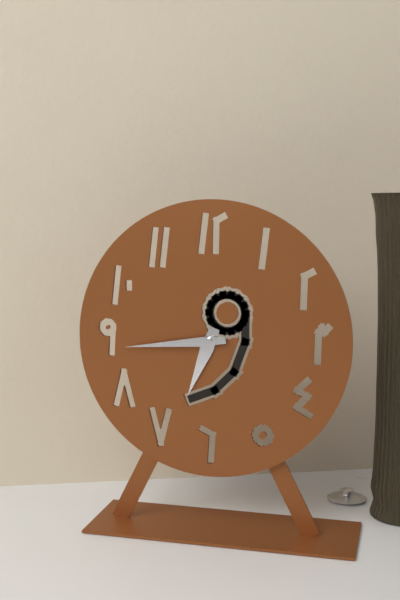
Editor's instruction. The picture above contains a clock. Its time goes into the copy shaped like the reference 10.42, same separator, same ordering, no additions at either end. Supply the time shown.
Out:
6.44
